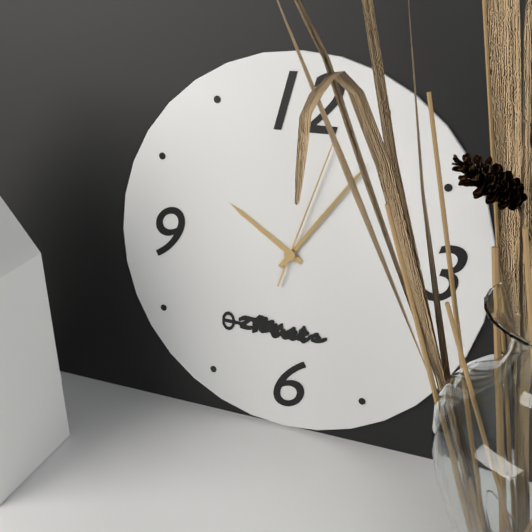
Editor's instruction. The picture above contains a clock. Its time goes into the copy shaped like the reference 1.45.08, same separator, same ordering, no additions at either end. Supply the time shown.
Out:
10.06.03
